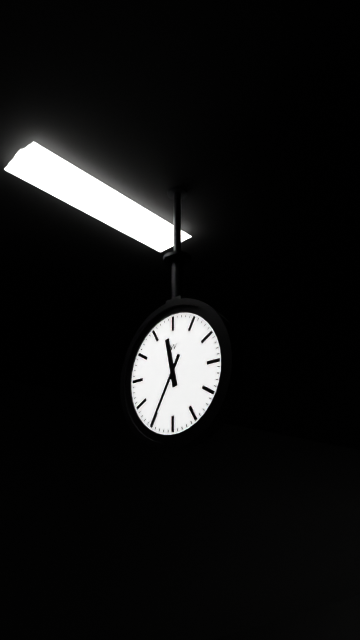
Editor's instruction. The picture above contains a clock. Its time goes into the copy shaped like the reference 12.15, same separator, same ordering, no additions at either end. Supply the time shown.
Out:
11.35
